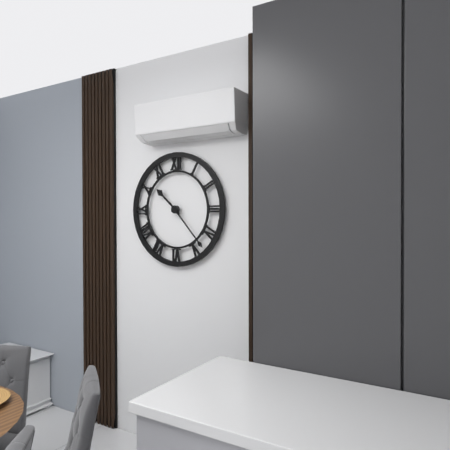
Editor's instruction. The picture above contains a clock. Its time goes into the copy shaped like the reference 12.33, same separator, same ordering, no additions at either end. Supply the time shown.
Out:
10.23
